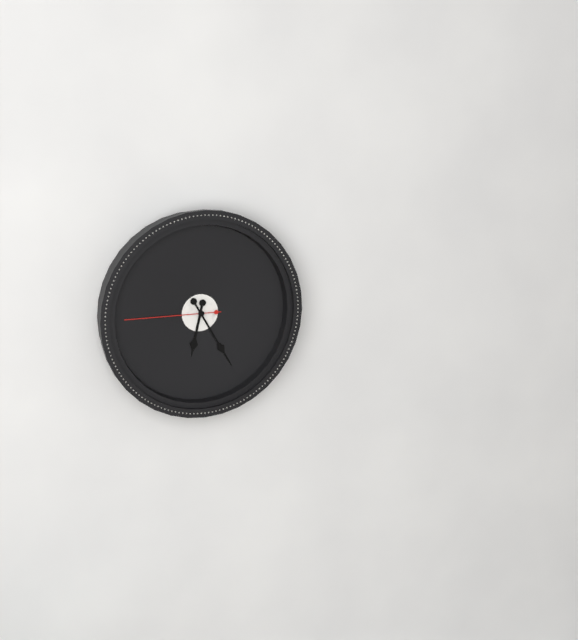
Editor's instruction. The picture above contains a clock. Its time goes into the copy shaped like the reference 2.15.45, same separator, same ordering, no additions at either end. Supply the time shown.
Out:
6.25.45
